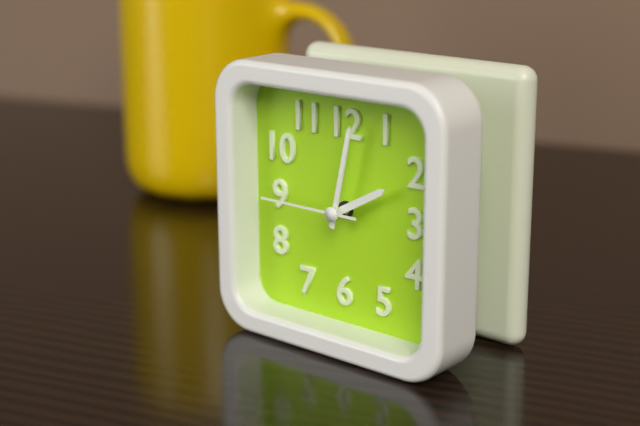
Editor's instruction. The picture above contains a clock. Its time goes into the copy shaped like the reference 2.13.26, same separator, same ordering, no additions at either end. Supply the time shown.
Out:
2.02.45
